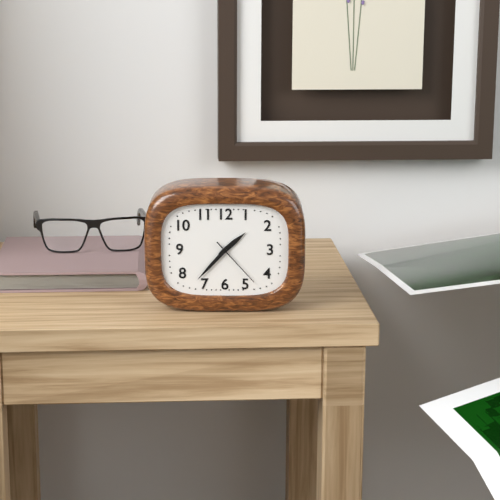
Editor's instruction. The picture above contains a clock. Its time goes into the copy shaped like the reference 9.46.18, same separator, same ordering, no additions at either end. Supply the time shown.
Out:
1.37.23
